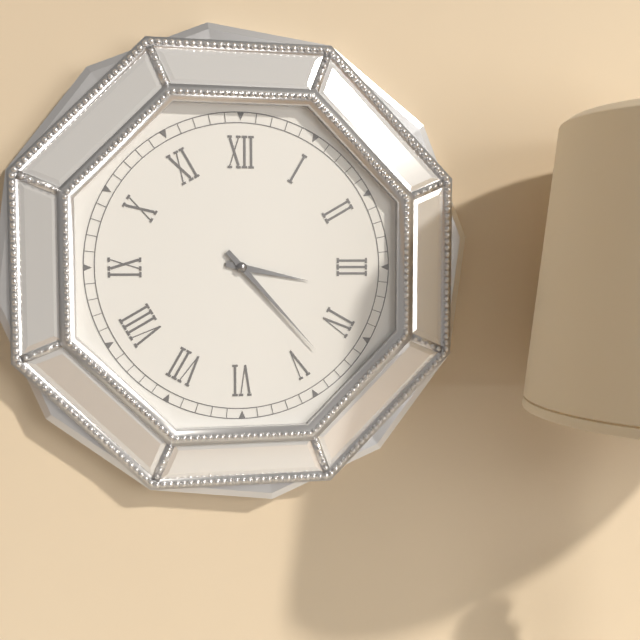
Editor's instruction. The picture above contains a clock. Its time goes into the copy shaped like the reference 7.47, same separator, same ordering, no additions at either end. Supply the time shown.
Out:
3.23
